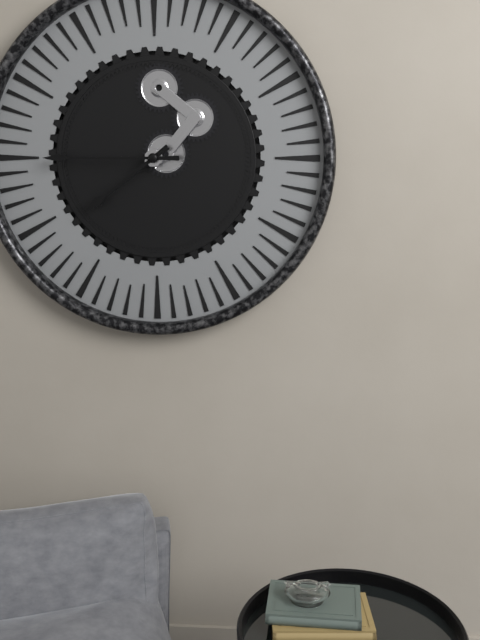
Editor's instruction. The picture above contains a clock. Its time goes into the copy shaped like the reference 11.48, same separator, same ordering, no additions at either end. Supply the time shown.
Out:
7.45
